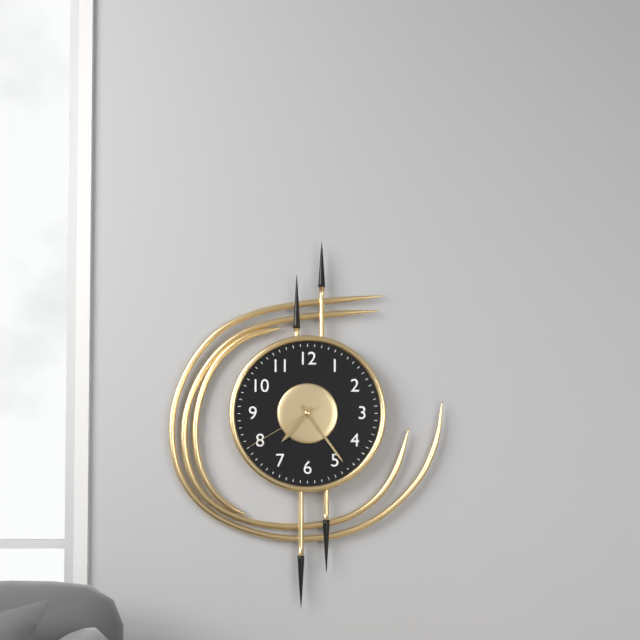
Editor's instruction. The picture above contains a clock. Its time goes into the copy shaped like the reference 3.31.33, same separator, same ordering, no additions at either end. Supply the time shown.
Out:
7.24.40
